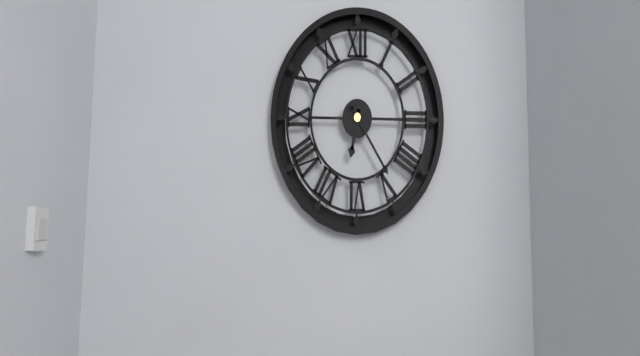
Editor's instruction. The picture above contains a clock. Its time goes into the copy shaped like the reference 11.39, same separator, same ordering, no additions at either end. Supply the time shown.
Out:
6.24
